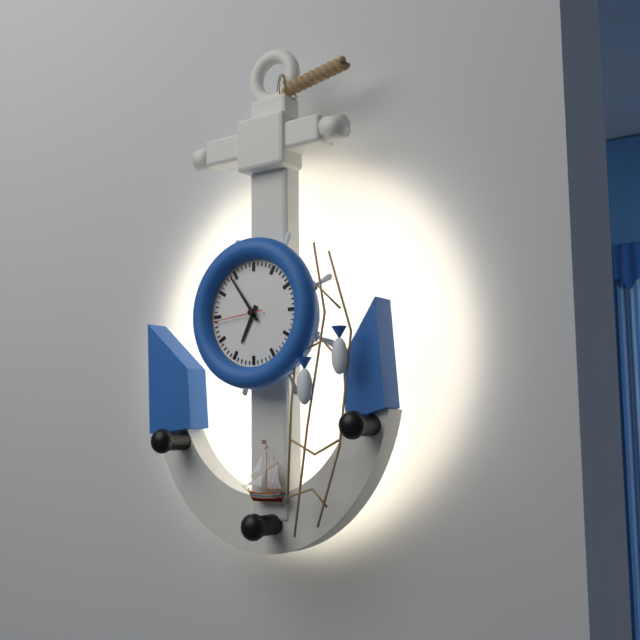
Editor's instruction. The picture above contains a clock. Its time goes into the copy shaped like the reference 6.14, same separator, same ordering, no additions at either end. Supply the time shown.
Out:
6.54
